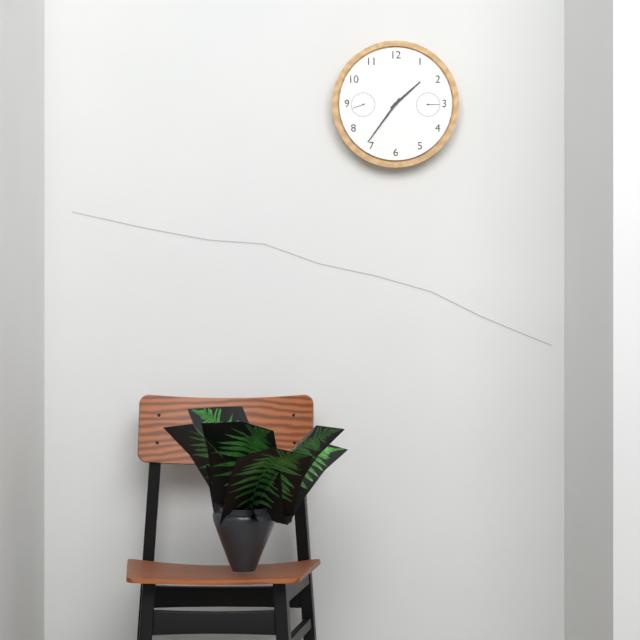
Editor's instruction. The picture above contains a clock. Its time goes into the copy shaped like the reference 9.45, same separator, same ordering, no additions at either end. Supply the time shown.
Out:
1.36
